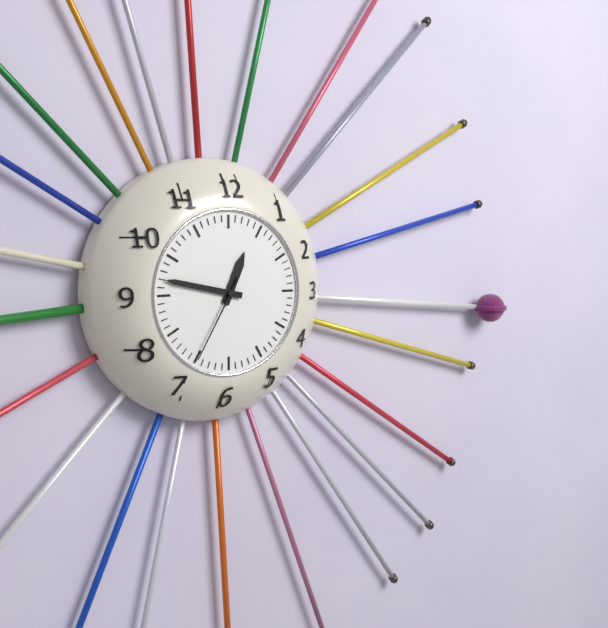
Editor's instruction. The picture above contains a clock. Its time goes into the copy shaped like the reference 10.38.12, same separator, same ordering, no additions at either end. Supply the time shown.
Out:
12.47.35
